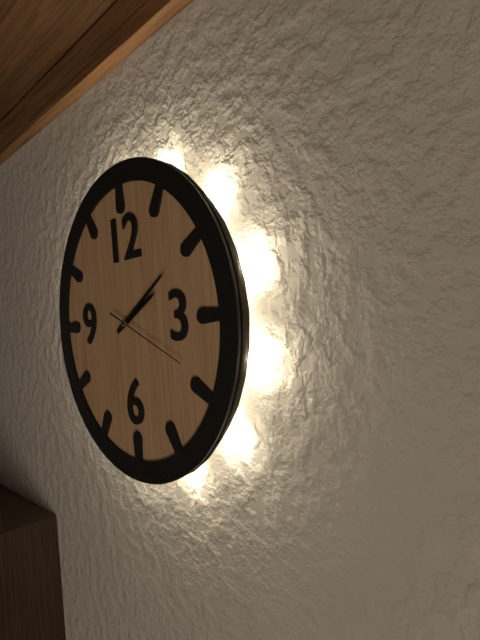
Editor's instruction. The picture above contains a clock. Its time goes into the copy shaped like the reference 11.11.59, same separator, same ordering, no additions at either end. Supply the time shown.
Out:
2.10.19
